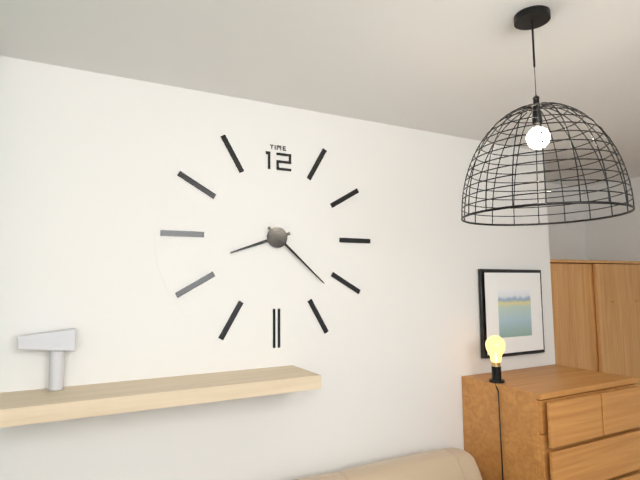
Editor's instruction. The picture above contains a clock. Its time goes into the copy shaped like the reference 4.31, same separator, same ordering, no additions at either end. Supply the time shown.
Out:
8.22
